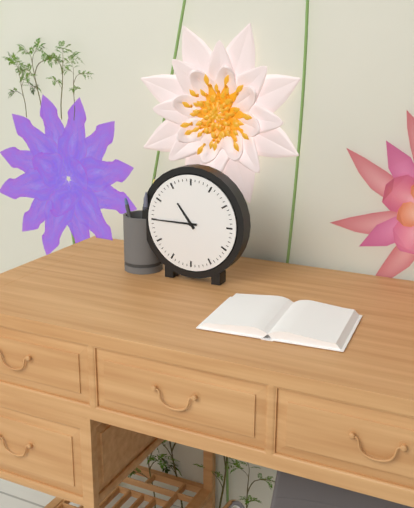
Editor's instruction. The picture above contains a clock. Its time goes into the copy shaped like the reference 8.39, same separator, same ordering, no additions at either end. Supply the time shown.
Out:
10.45
